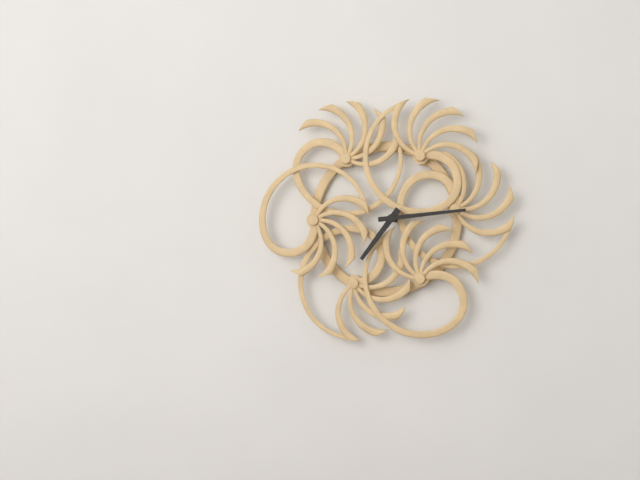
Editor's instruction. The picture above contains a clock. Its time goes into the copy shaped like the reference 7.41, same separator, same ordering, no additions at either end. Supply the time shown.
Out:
7.14
